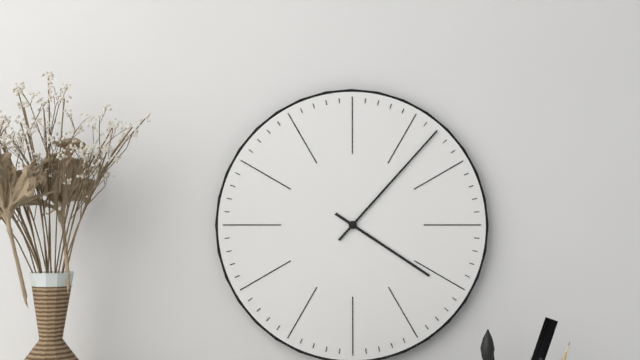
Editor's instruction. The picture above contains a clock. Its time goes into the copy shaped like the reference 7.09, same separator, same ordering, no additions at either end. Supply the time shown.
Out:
4.07
